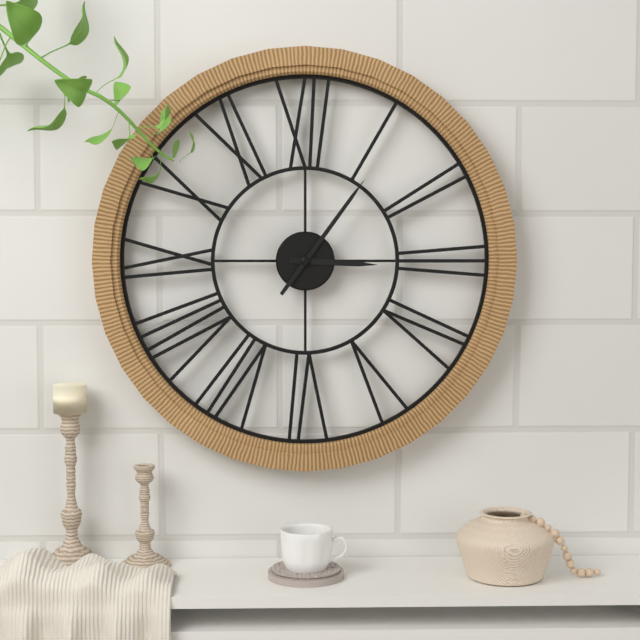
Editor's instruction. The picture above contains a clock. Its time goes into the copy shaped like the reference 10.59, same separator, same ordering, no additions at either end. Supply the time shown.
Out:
3.06
